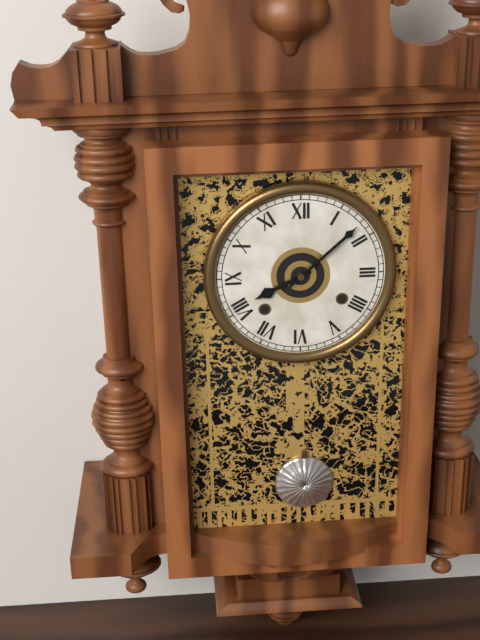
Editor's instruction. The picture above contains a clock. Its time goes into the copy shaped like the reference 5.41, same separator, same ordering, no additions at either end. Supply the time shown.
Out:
8.08
